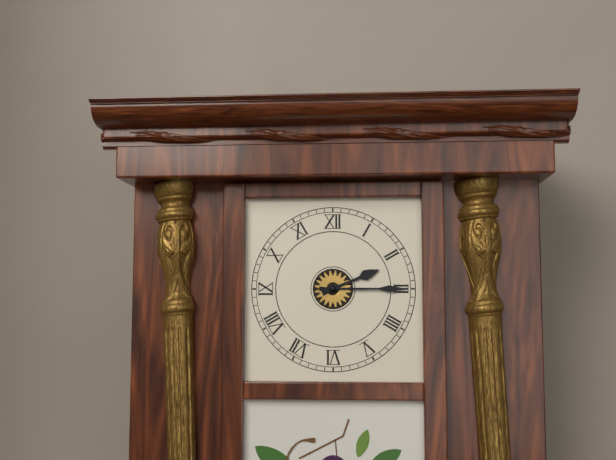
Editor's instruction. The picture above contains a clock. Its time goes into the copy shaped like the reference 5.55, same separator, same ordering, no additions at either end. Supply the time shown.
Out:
2.15
